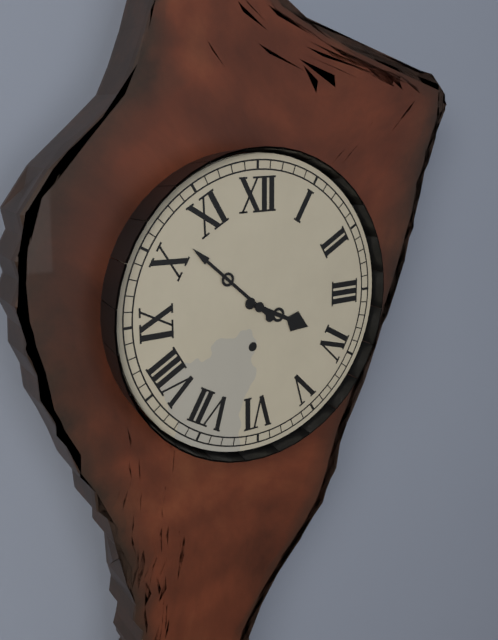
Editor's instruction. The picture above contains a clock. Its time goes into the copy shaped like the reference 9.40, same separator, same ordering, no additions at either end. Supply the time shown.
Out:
3.52
